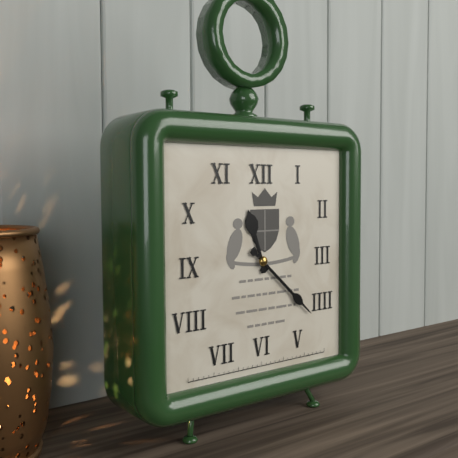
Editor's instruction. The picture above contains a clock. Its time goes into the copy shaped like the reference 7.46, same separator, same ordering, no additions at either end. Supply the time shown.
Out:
11.22
